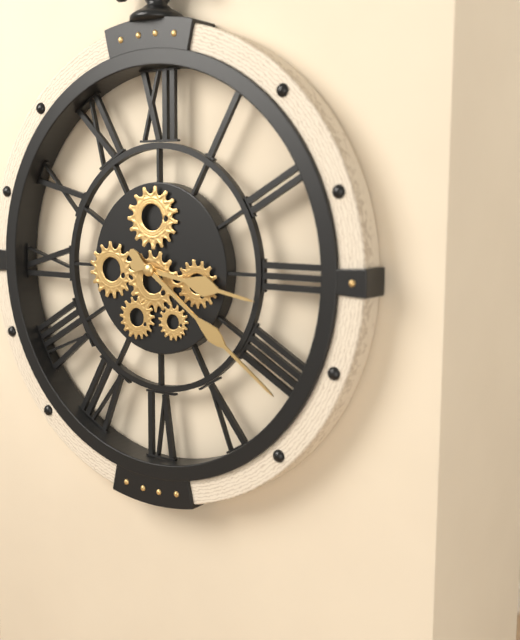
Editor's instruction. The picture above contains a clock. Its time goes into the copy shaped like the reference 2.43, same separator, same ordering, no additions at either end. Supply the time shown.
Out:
3.21
